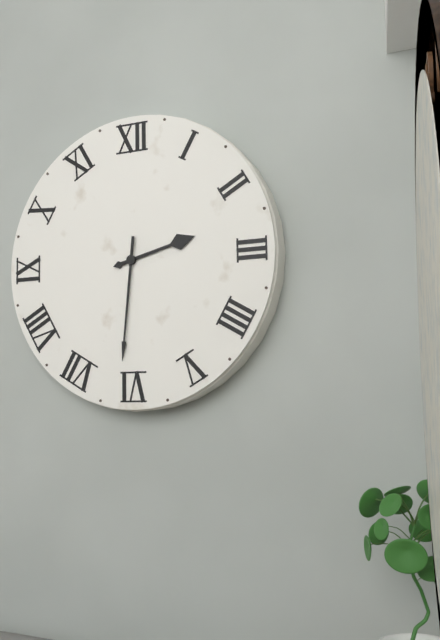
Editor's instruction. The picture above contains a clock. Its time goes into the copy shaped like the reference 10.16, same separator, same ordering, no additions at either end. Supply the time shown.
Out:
2.31
